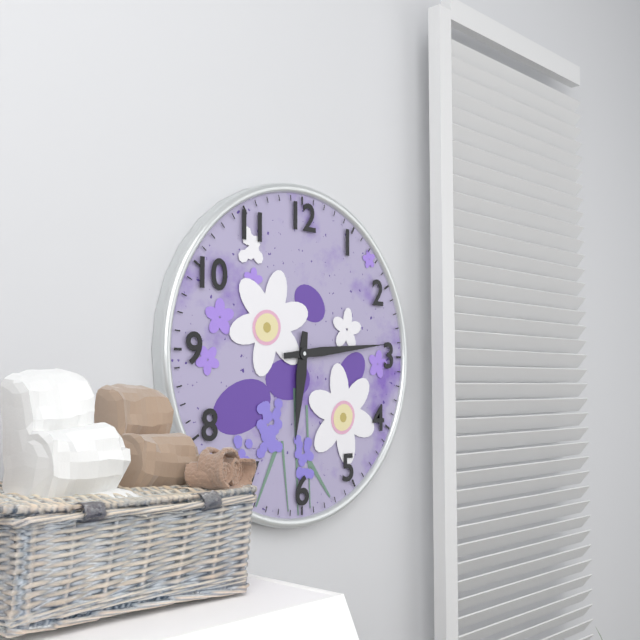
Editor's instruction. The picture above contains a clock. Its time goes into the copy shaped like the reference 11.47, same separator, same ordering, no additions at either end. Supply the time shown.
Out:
6.14
